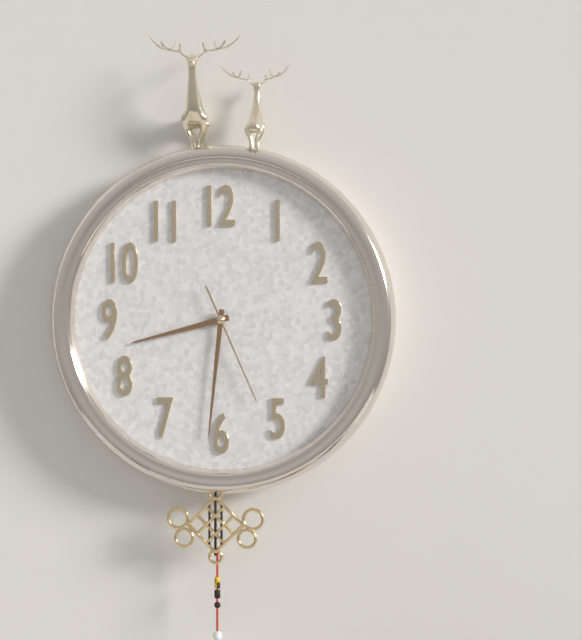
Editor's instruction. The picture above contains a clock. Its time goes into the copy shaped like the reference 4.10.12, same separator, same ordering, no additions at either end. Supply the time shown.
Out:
8.31.26
